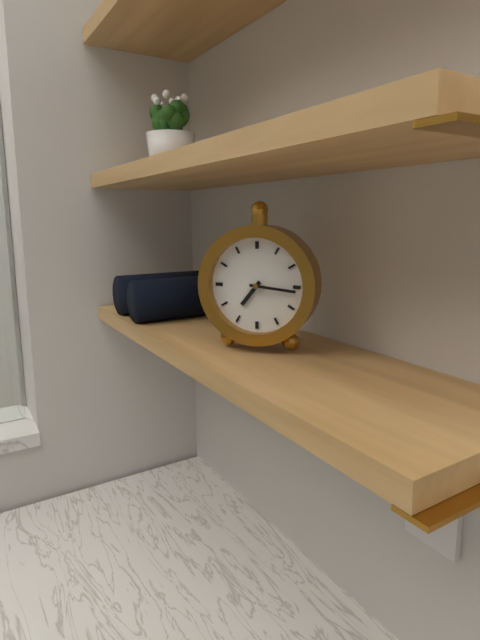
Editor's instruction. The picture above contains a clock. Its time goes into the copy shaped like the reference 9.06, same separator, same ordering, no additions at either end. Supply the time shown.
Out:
7.16
